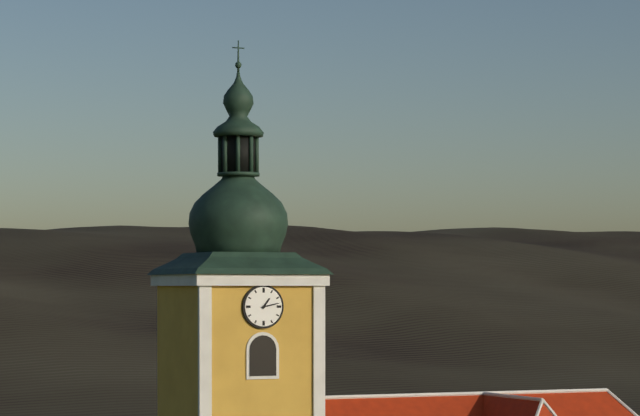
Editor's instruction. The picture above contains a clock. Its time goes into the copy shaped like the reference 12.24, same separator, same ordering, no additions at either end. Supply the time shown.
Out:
1.13
